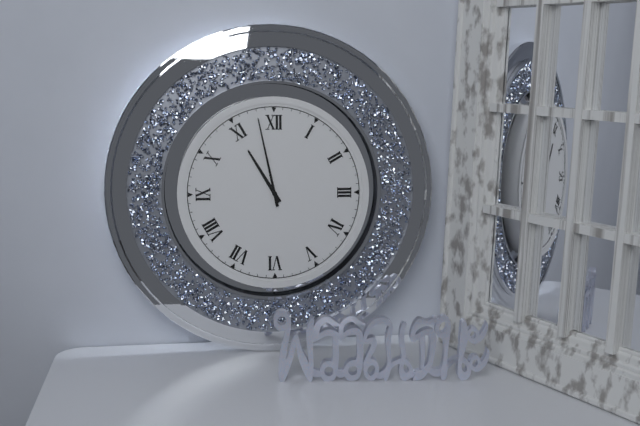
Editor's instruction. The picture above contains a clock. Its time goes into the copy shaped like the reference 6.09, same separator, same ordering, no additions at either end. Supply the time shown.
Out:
10.58
